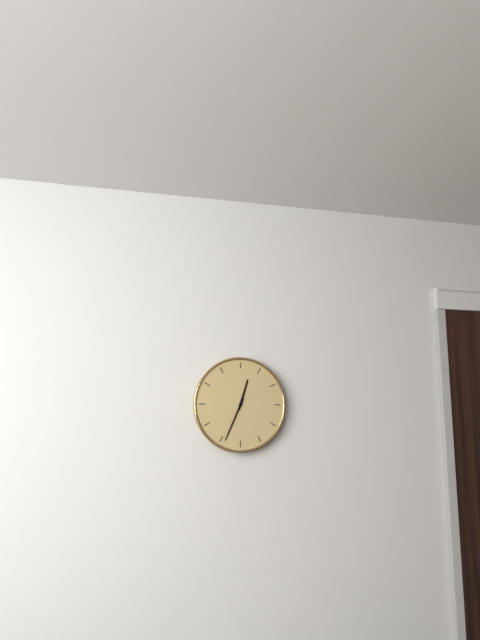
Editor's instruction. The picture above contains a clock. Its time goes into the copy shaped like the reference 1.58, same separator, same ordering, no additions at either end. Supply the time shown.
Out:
12.34
